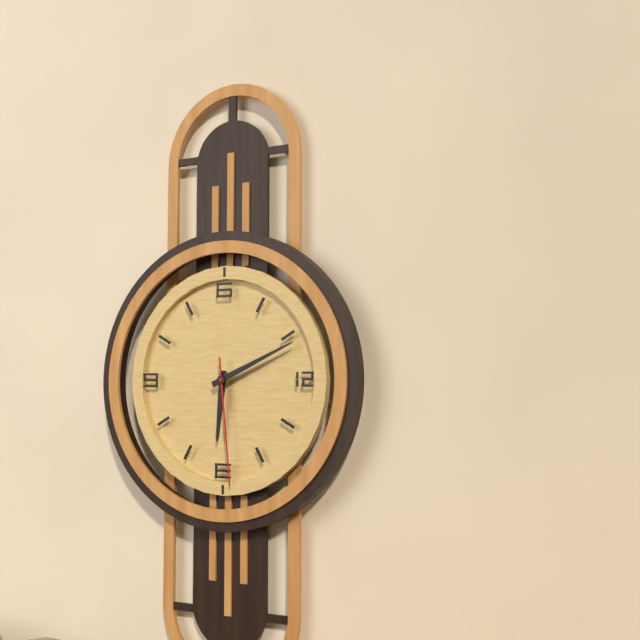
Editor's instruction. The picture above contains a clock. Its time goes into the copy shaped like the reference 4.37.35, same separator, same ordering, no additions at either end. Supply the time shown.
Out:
6.11.29
